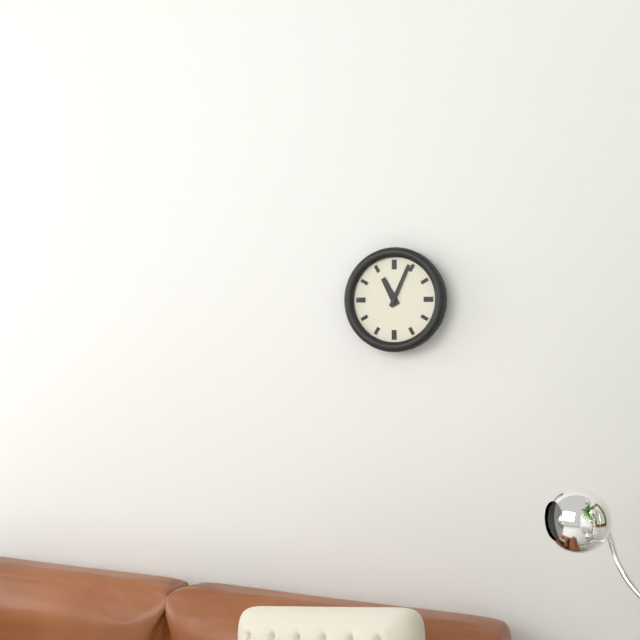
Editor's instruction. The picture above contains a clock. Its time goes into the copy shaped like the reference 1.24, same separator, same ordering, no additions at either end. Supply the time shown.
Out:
11.04
